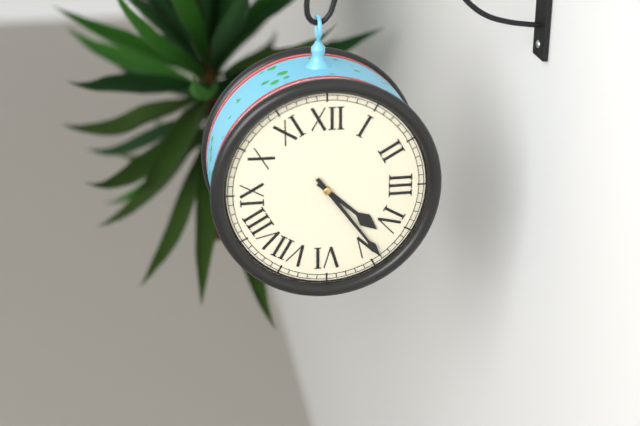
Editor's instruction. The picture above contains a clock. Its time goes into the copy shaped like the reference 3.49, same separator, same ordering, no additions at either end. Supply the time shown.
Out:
4.24
